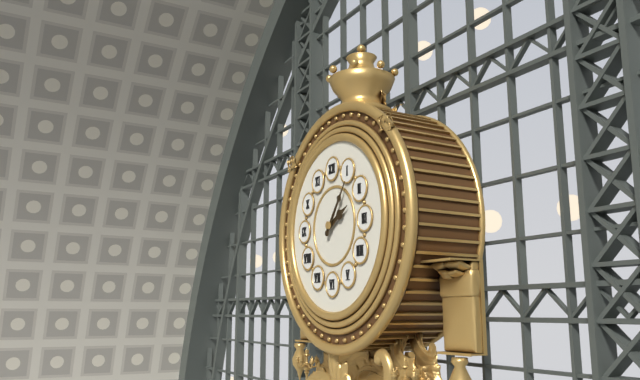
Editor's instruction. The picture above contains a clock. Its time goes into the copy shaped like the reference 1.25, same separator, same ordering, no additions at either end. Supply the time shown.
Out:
2.06
